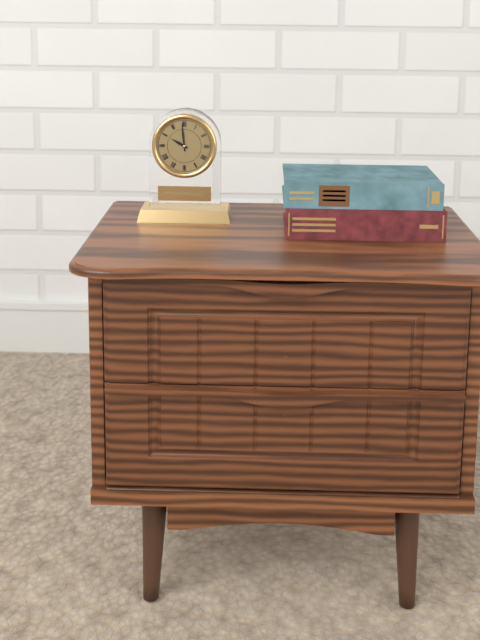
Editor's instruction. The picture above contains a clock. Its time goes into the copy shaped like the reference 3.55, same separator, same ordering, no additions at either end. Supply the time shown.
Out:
9.59
